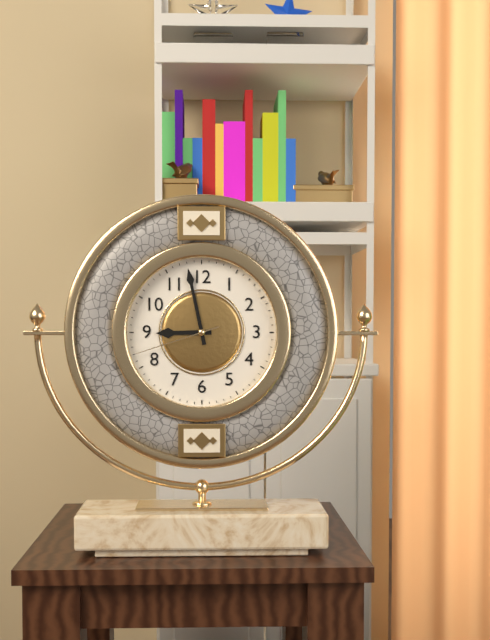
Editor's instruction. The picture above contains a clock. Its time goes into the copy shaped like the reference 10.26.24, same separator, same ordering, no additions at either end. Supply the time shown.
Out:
8.58.42
